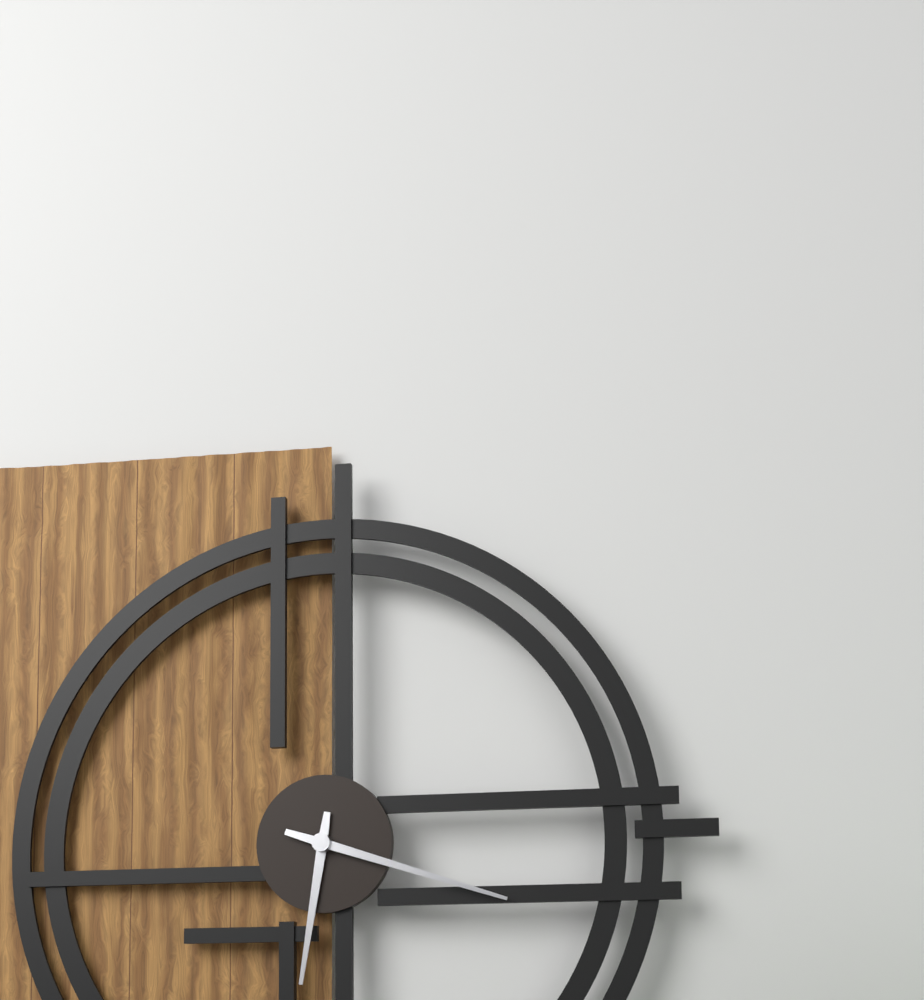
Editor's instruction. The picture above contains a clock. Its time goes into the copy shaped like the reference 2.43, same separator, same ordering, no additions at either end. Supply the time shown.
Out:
6.18
